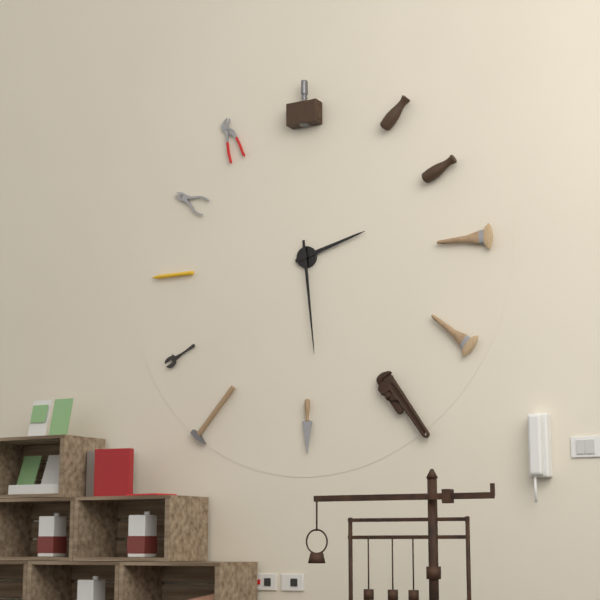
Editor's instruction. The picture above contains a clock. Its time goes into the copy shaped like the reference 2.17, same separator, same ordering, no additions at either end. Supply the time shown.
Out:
2.29
